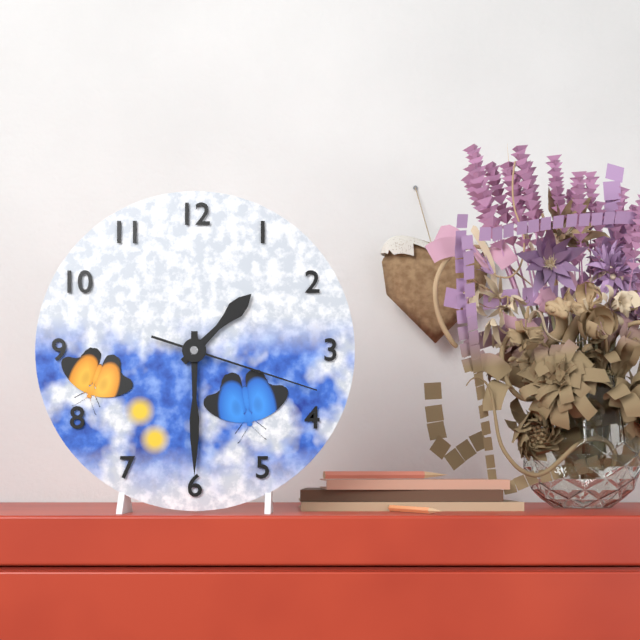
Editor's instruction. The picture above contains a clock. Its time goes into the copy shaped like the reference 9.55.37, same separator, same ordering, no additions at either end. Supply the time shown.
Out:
1.30.18
